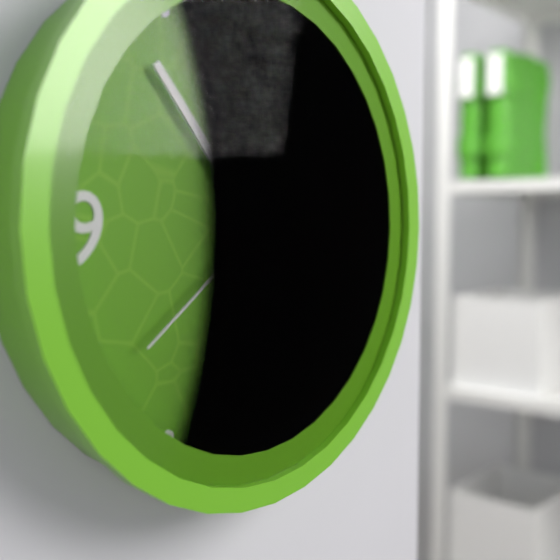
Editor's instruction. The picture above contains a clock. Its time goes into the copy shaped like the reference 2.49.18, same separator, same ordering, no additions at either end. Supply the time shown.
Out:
6.53.39
